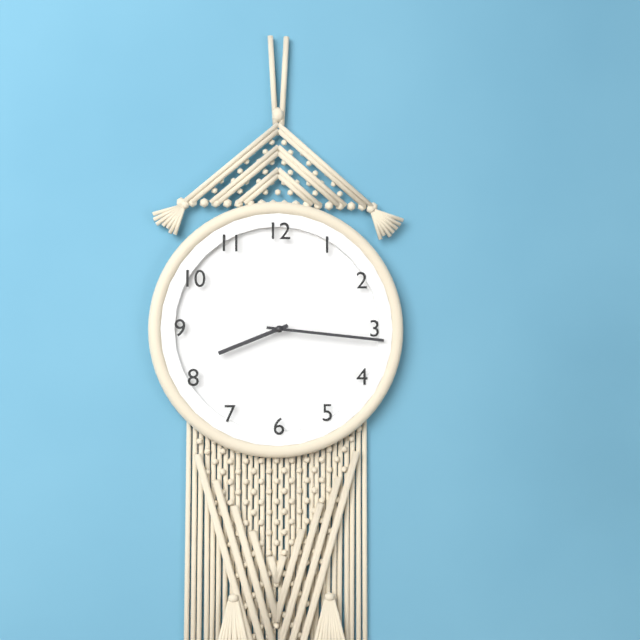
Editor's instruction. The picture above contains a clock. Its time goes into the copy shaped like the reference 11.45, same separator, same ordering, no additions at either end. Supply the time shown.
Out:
8.16
